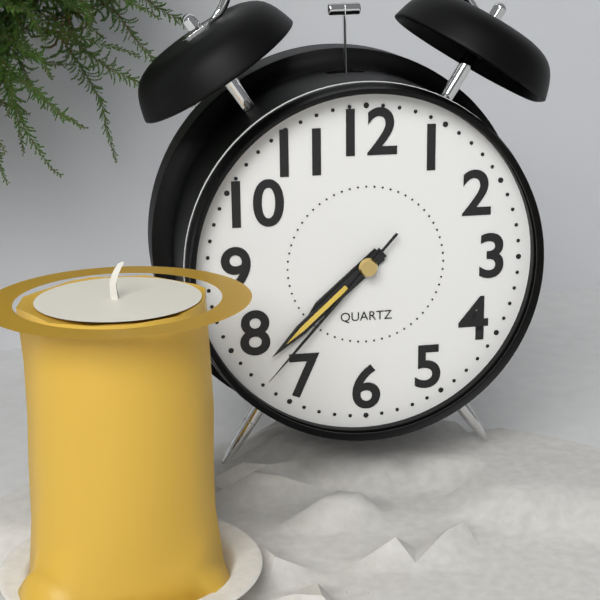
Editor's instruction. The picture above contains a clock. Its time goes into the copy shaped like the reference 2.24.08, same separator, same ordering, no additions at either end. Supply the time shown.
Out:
7.38.37
